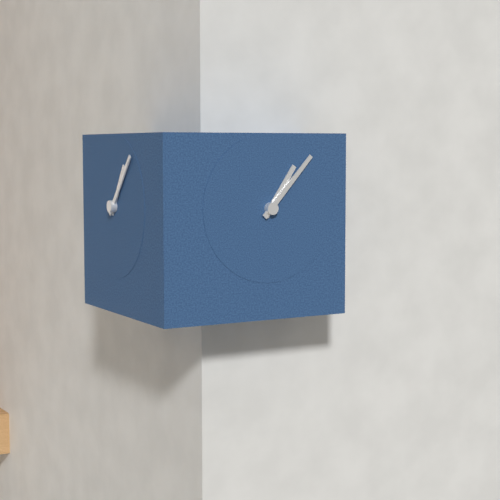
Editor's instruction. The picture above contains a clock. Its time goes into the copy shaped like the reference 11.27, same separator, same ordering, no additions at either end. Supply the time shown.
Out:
1.07
